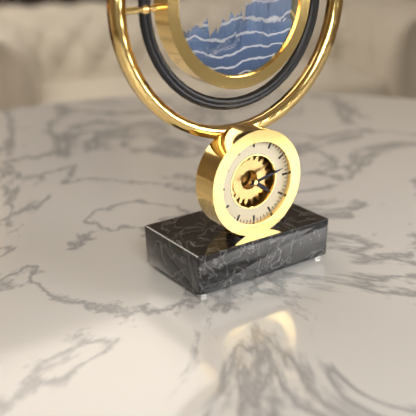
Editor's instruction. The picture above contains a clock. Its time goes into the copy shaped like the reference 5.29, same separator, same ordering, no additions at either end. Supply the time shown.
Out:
4.13
